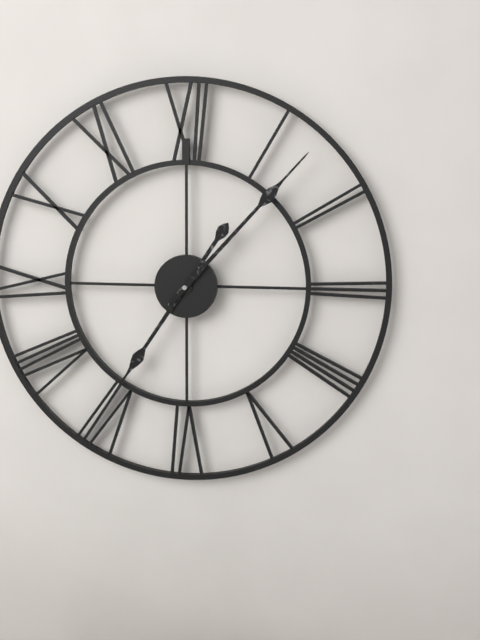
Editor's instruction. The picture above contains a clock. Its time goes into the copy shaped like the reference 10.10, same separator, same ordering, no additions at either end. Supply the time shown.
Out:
7.07
